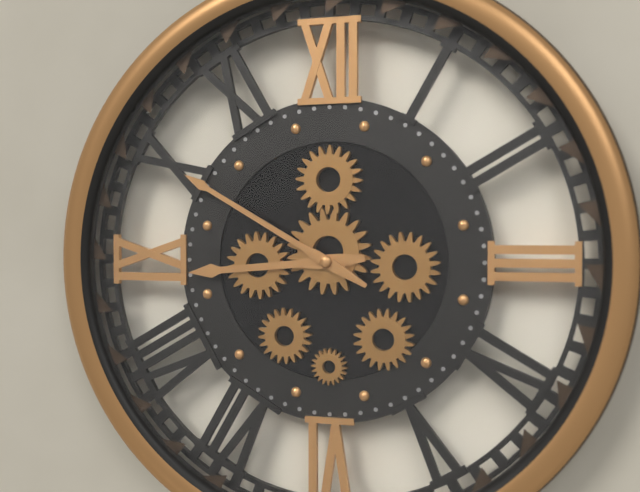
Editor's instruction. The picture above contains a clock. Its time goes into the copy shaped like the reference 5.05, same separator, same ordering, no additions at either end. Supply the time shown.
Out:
8.50
